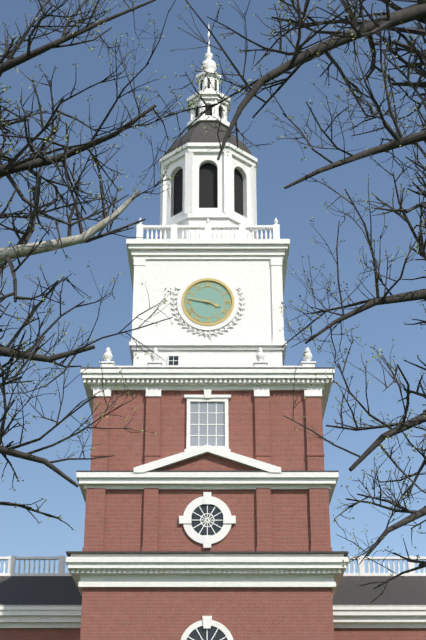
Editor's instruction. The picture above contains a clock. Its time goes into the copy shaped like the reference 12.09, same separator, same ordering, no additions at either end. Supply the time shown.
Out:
3.47
